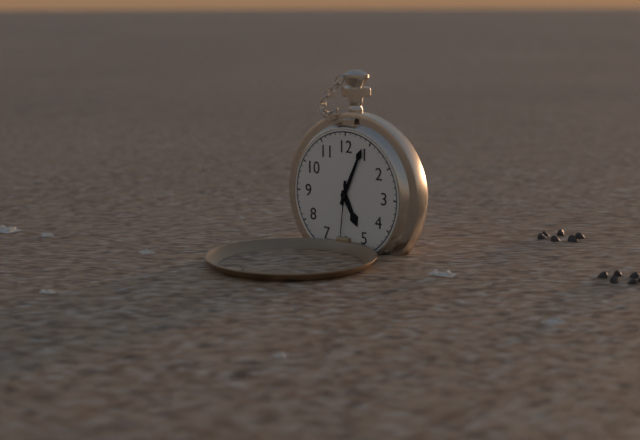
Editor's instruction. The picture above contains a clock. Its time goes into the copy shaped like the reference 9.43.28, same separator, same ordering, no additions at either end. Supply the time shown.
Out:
5.04.31
